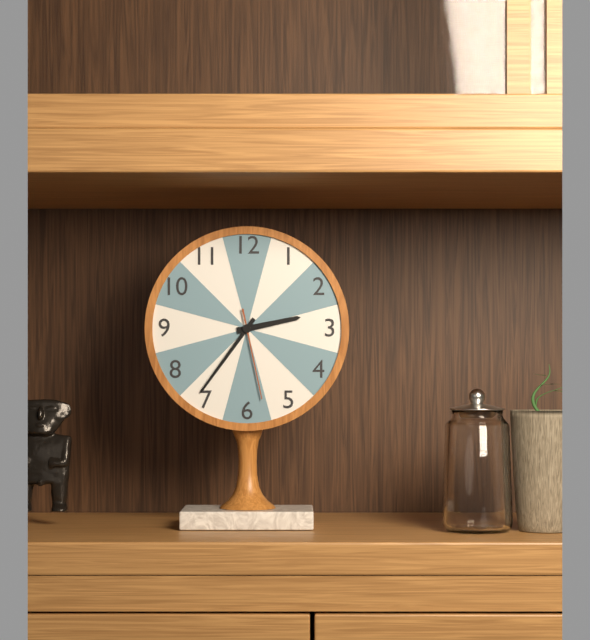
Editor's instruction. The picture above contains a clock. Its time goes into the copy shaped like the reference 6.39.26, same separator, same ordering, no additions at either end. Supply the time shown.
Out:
2.36.28
